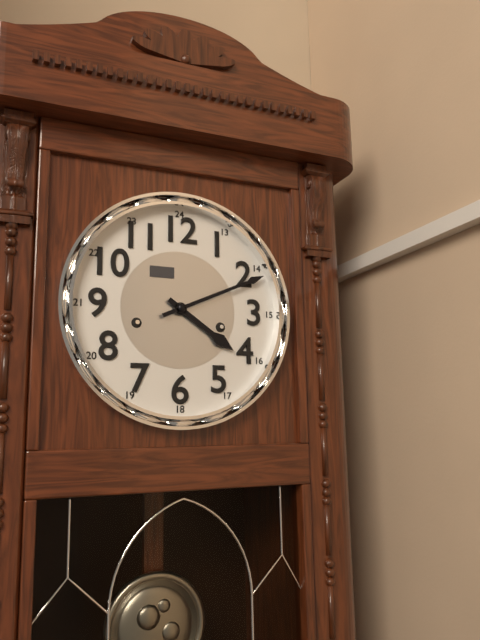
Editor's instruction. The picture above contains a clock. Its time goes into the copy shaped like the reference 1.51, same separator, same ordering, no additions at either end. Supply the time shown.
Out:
4.11
